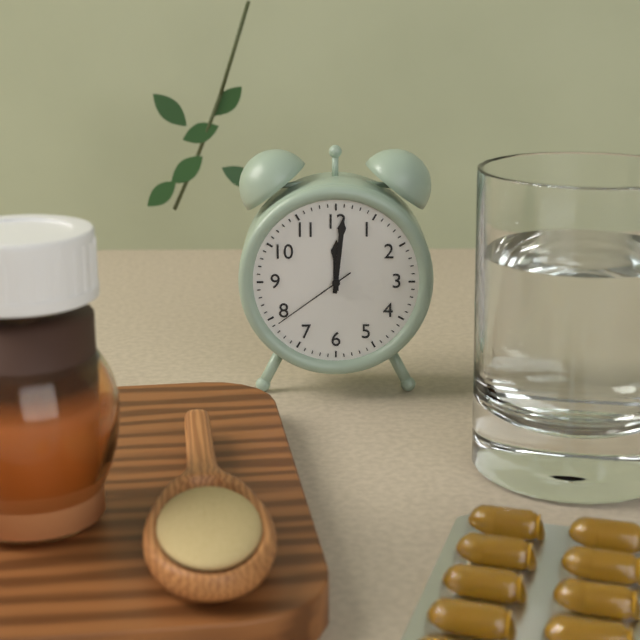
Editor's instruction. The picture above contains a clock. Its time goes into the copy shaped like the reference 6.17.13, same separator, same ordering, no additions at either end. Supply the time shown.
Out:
12.01.39
